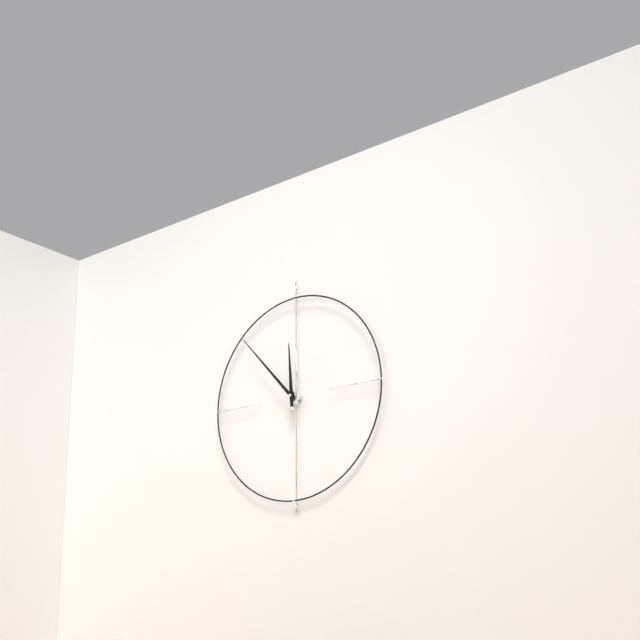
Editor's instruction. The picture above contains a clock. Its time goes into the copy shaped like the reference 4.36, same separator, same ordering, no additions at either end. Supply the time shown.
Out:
11.53
